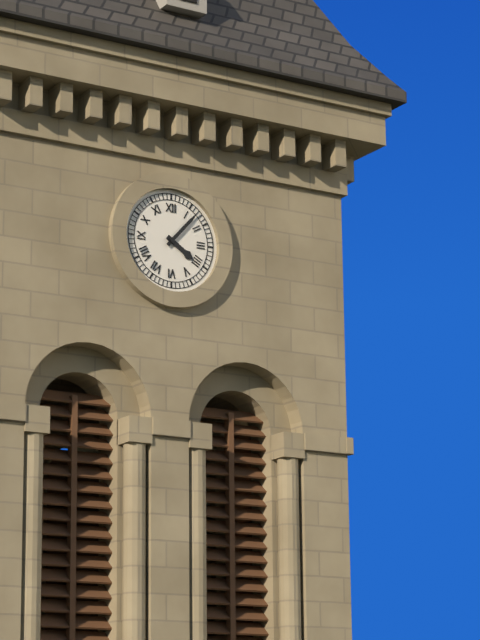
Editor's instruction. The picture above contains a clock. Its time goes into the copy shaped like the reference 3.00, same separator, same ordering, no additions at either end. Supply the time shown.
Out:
4.07
